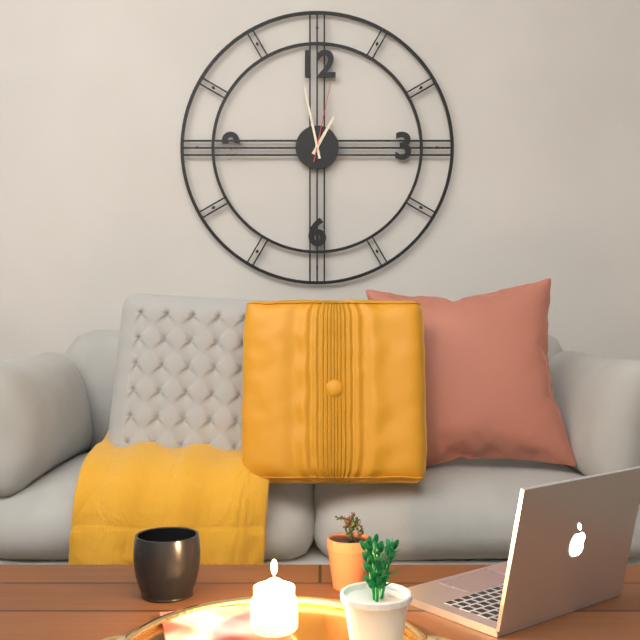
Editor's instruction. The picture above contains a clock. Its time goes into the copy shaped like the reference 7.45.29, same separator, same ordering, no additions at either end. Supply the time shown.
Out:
12.58.02
